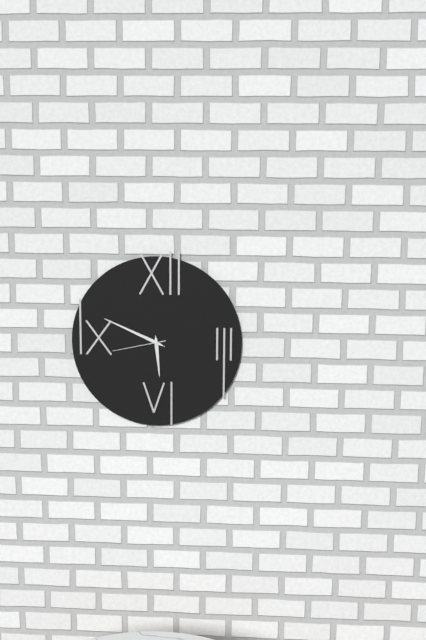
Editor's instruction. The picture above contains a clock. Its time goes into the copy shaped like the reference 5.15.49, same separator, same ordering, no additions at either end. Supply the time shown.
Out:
5.49.43
